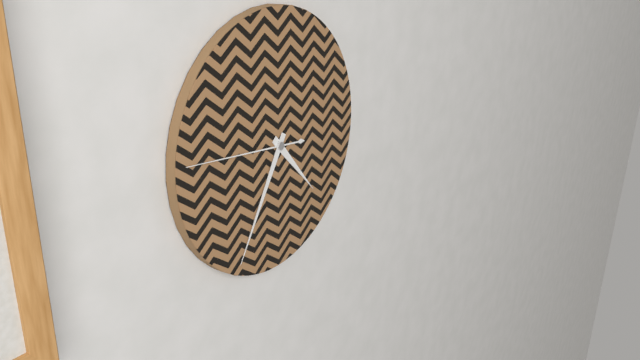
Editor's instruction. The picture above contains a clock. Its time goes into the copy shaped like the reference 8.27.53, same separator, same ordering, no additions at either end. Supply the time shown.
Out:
4.35.46
